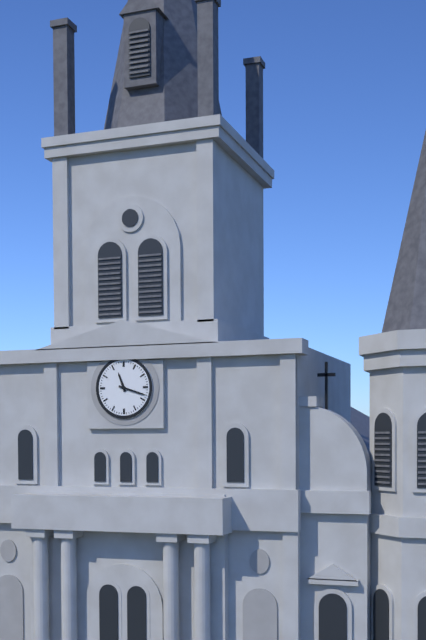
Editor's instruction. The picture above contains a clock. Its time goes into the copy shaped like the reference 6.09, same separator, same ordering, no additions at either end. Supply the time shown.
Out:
11.18
